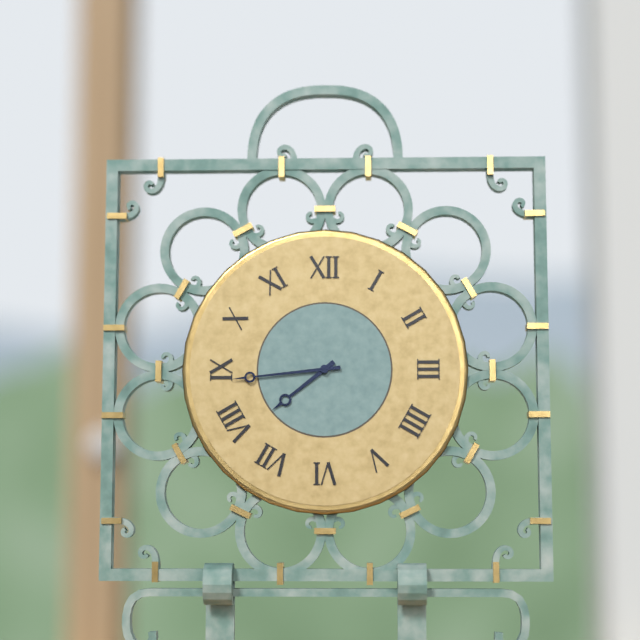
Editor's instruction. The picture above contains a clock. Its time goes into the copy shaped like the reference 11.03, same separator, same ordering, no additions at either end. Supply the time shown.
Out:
7.44
